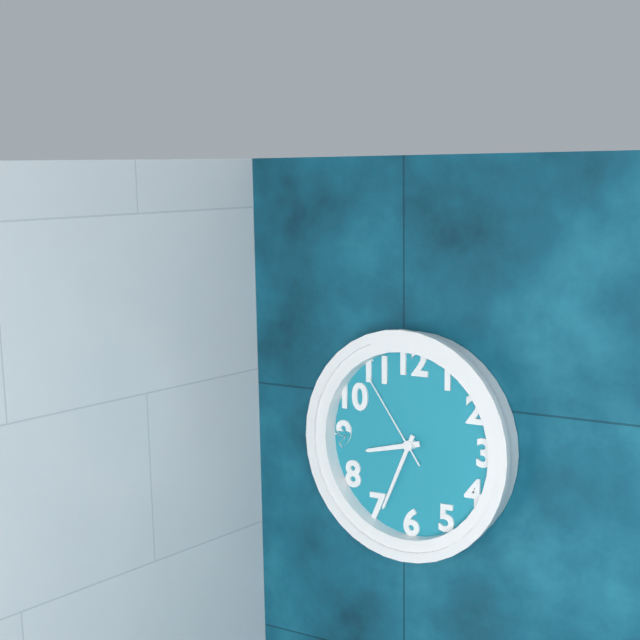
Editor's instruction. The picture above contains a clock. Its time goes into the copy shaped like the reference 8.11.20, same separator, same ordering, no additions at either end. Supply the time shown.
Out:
8.34.54
